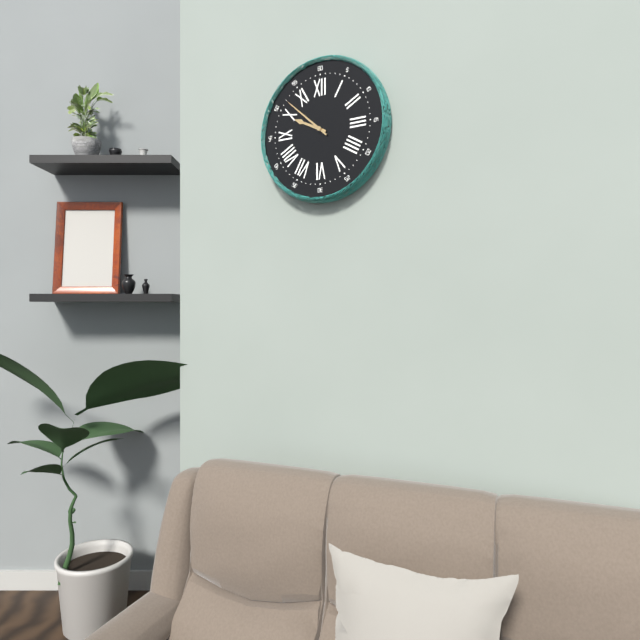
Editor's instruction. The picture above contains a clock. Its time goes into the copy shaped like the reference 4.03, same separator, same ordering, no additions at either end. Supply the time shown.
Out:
9.52
